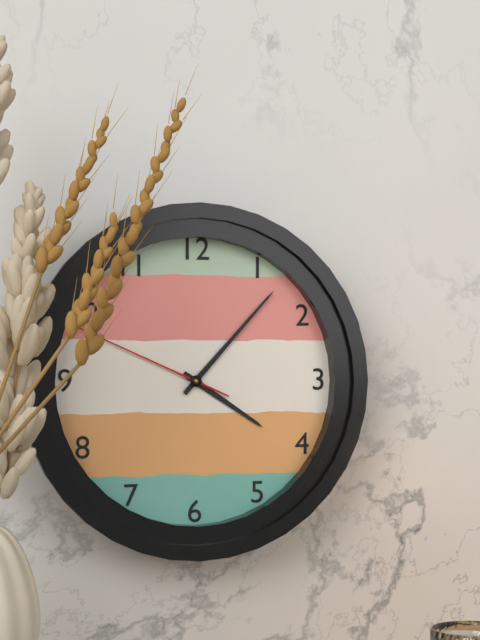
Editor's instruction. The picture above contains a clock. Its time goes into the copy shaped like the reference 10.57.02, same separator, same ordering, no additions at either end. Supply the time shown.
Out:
4.07.49
